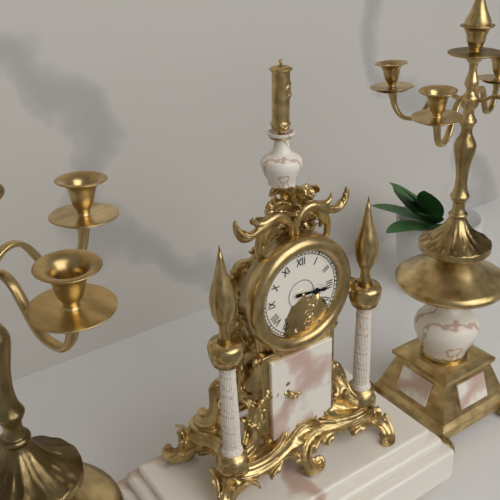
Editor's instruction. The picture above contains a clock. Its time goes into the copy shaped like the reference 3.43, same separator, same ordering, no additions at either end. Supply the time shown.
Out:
3.16
